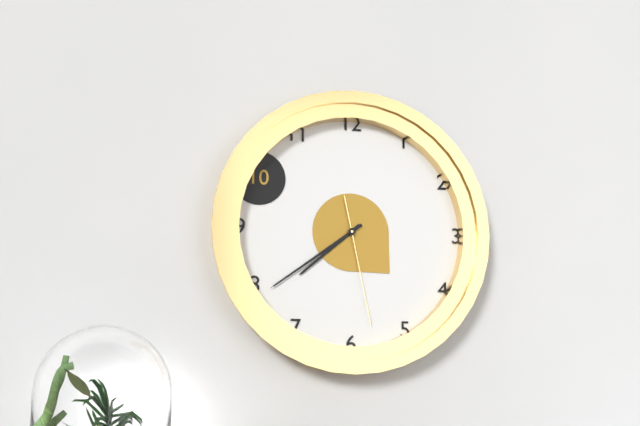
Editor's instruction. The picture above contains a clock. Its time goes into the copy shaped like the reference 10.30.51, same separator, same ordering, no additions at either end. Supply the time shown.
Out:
7.39.28
